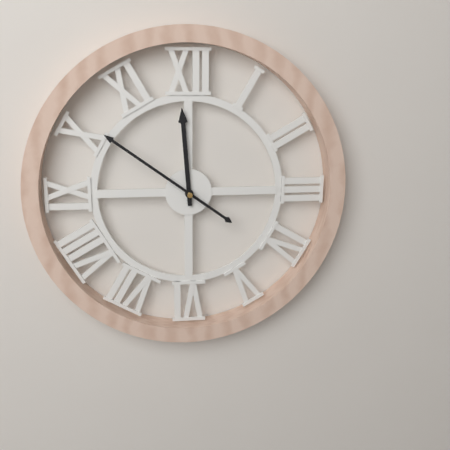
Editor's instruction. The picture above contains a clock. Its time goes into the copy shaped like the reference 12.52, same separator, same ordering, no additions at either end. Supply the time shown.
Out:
11.51
